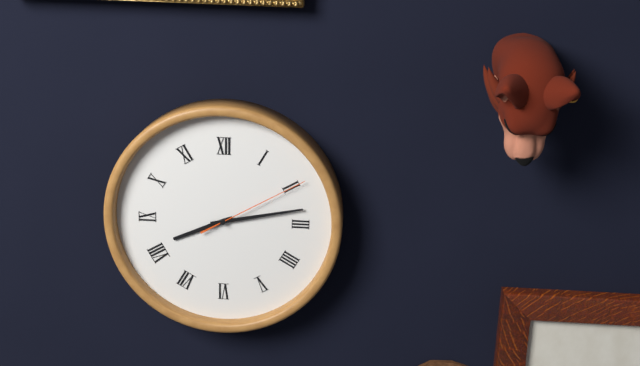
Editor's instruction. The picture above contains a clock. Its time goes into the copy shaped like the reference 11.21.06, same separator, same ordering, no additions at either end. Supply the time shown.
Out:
8.13.10
